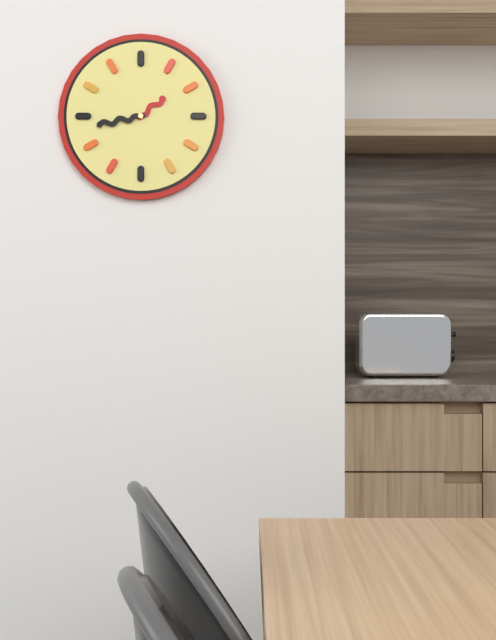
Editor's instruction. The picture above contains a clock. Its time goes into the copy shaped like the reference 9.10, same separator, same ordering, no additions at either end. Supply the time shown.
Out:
1.43
